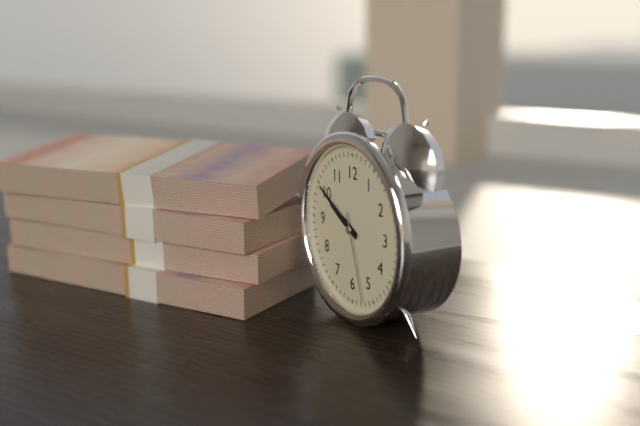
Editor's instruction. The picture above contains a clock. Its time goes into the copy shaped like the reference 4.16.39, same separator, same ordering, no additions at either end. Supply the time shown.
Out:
9.50.27
